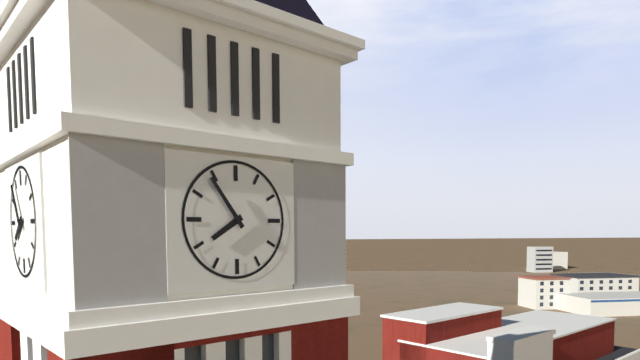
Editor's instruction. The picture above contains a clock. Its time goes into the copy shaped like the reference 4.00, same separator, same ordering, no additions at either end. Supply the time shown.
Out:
7.54
